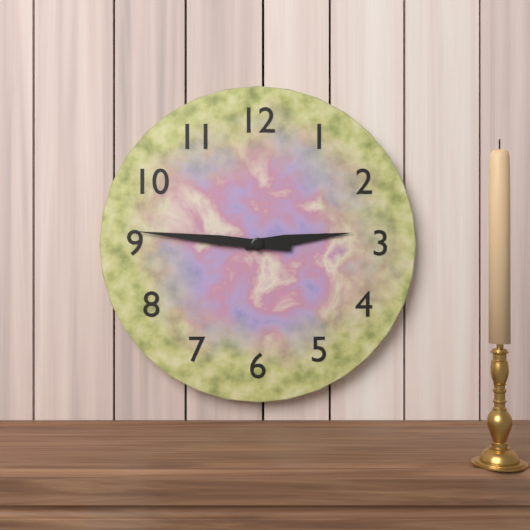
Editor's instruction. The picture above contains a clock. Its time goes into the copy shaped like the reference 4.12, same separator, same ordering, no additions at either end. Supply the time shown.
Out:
2.46
